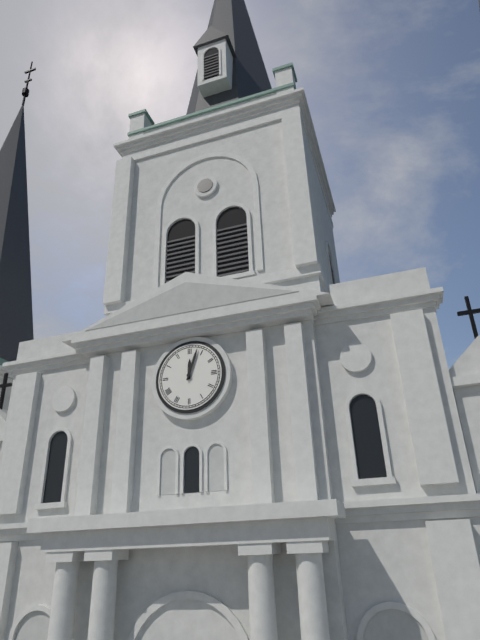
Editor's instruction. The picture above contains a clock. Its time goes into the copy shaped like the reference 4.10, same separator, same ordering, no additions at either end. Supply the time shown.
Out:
12.03
